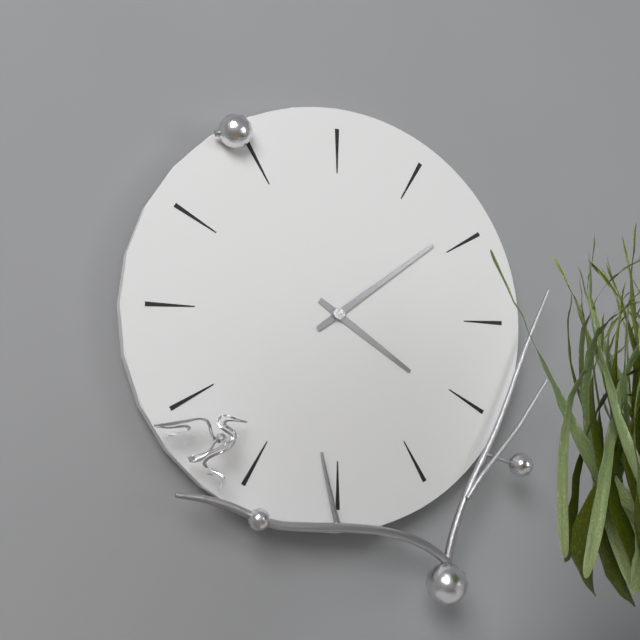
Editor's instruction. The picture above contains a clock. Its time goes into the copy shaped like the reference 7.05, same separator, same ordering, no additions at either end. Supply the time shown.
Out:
4.09
